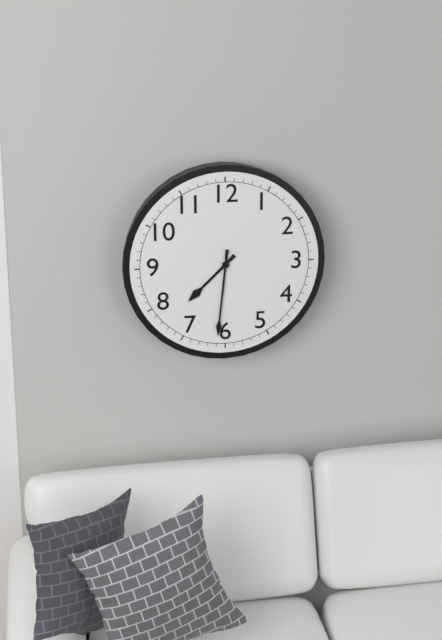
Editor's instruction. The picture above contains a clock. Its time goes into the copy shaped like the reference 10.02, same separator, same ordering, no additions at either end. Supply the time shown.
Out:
7.31
